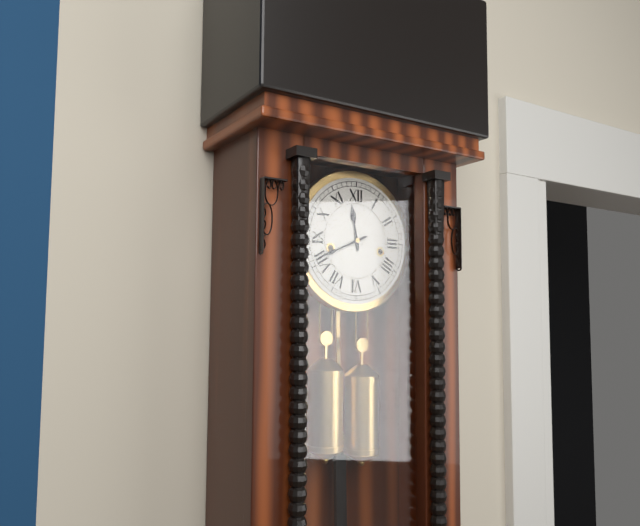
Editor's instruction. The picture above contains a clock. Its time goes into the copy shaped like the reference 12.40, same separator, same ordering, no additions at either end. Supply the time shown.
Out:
11.41
